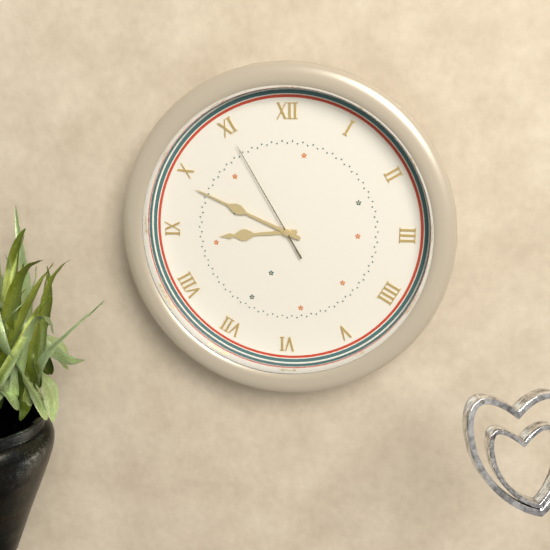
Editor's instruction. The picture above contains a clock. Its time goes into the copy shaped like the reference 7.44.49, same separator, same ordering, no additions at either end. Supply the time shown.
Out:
8.49.55
